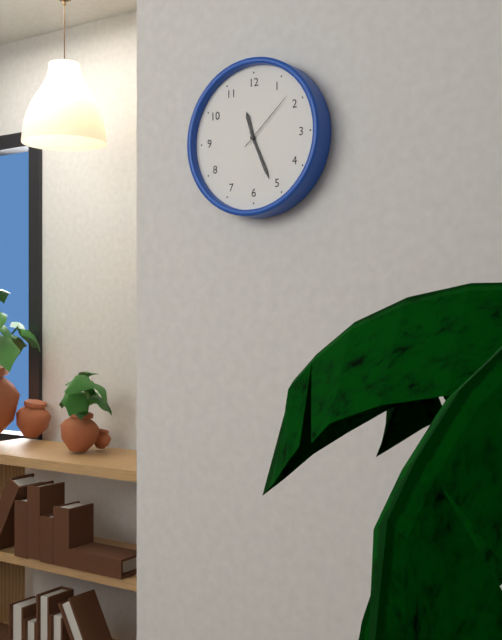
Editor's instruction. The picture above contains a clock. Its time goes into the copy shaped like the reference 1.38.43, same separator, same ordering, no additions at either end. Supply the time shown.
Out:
11.26.08
